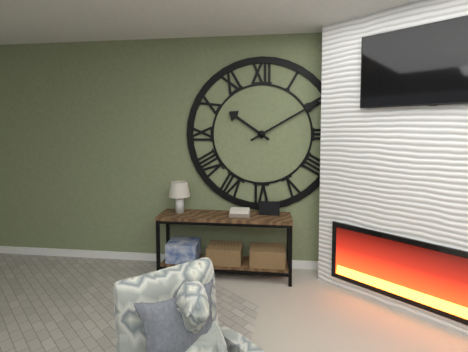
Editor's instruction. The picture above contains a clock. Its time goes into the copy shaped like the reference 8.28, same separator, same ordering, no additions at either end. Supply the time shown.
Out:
10.10
